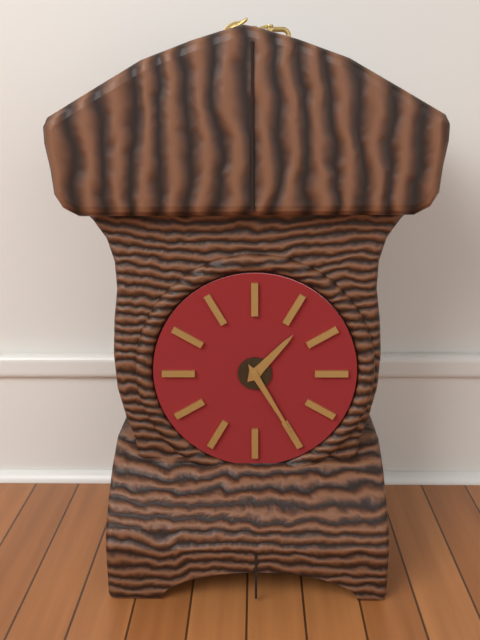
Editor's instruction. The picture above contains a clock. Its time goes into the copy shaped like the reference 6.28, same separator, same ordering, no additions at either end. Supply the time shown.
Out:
1.25
